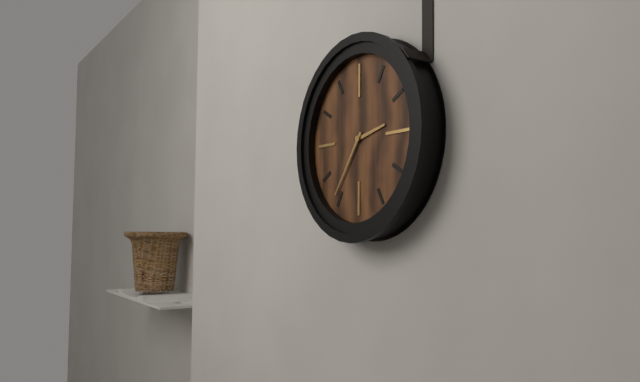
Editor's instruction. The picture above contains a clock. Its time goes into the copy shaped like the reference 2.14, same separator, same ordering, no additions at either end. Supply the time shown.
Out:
2.36
